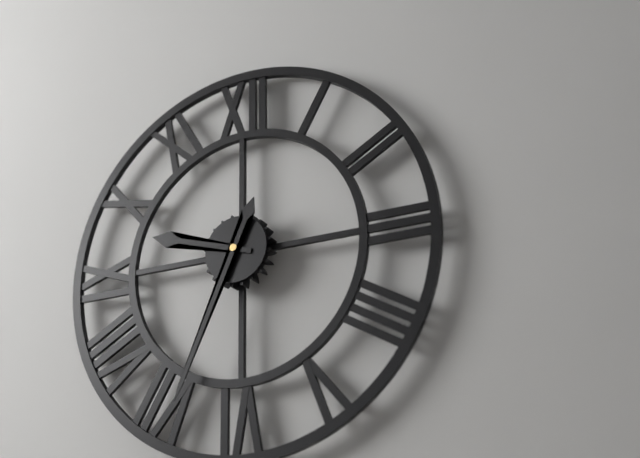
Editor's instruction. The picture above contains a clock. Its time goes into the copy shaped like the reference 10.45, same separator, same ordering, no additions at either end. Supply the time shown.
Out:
9.34
